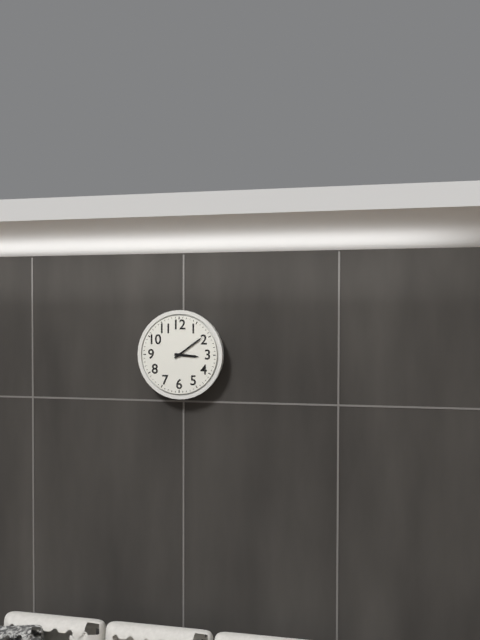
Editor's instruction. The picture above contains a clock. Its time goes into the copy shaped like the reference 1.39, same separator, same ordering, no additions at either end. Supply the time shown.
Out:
3.09
